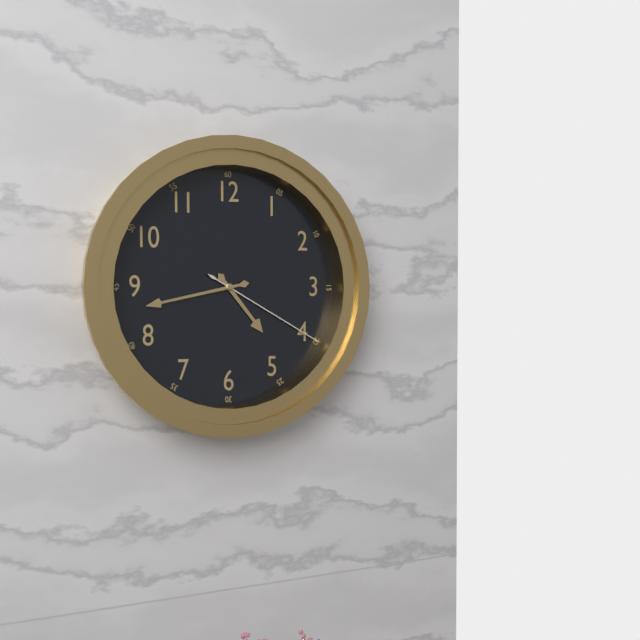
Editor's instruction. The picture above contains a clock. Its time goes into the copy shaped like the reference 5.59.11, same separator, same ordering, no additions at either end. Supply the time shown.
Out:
4.43.20
